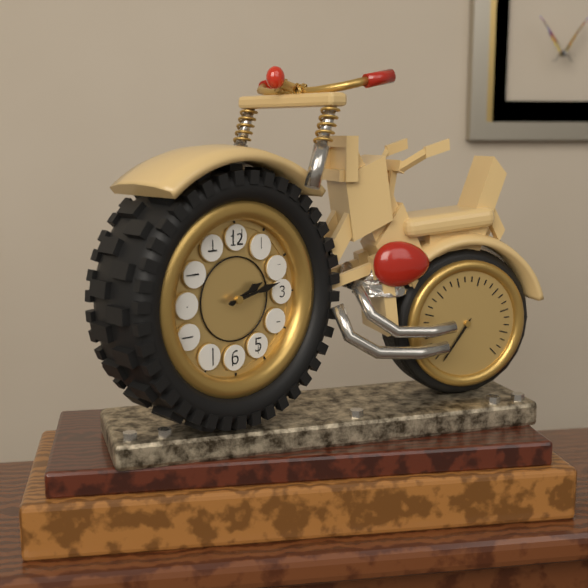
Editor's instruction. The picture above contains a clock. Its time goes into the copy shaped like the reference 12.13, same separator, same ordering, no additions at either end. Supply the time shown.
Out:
2.13
